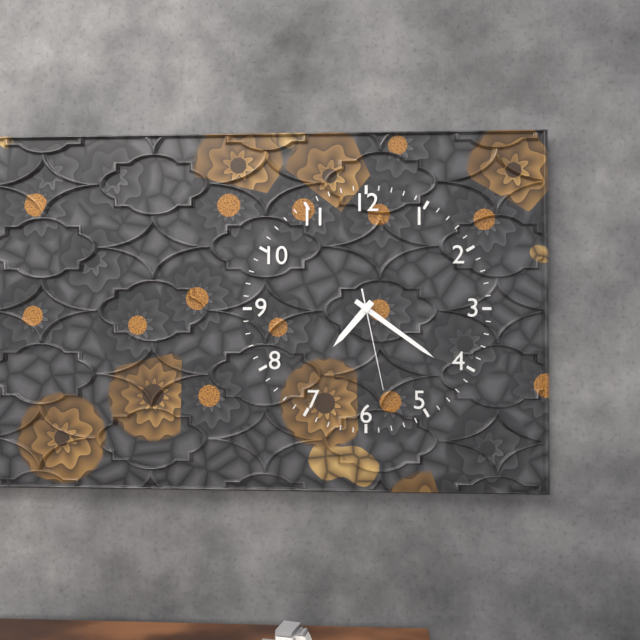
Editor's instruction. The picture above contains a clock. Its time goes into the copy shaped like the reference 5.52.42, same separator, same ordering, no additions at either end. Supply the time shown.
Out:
7.21.28
